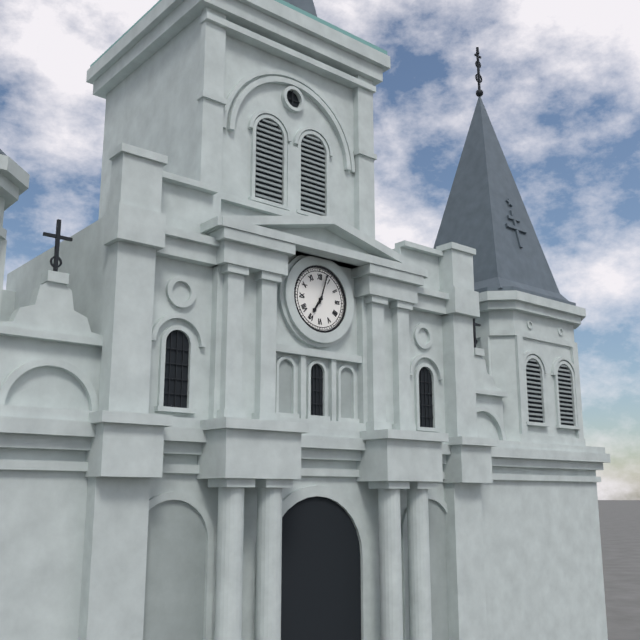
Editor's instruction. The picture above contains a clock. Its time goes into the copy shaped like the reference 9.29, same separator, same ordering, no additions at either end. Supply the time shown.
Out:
7.03
